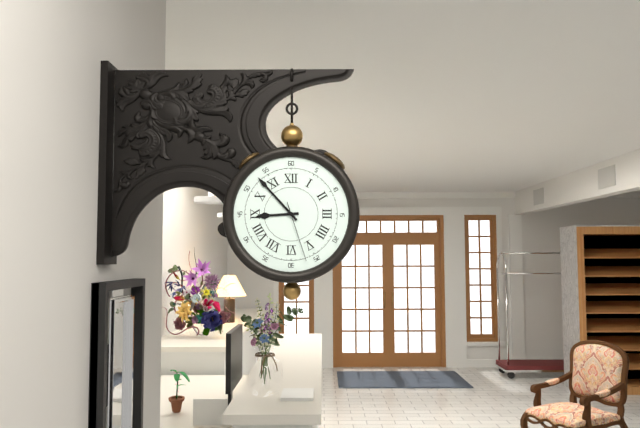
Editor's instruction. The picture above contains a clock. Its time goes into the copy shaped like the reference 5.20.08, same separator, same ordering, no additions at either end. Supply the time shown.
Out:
8.53.27
